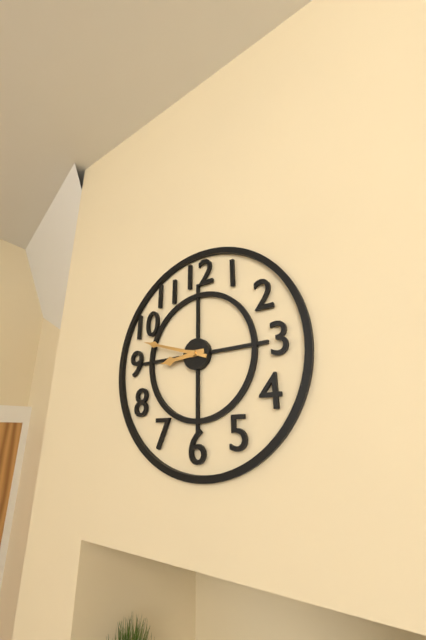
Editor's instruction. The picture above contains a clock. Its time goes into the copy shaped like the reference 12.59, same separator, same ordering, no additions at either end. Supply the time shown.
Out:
8.48
